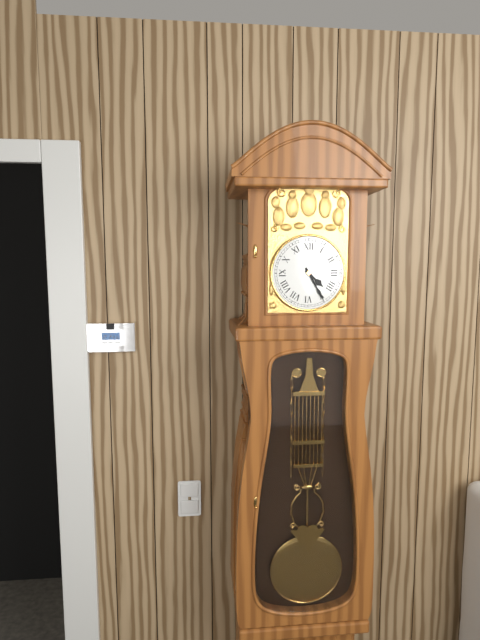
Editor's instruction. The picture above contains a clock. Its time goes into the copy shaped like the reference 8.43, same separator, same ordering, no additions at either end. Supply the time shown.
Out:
4.25
